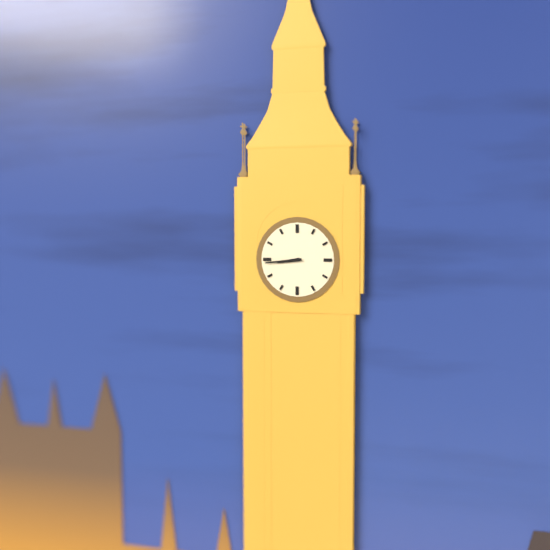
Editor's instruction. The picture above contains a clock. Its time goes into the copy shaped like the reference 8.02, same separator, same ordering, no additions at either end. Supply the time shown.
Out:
8.44
